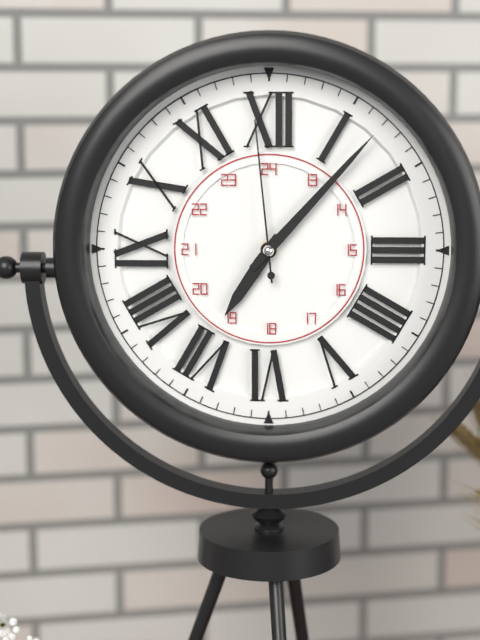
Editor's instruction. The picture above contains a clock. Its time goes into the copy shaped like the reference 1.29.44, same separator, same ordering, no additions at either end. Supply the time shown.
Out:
7.07.59
